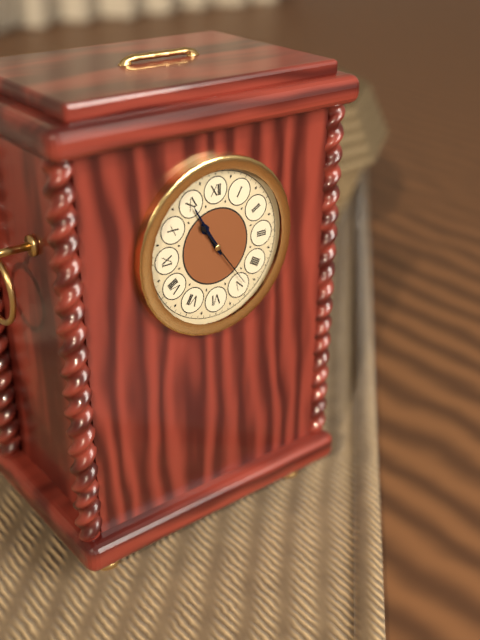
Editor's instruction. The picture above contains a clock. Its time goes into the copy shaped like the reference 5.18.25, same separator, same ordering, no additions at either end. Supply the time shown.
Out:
10.55.24
